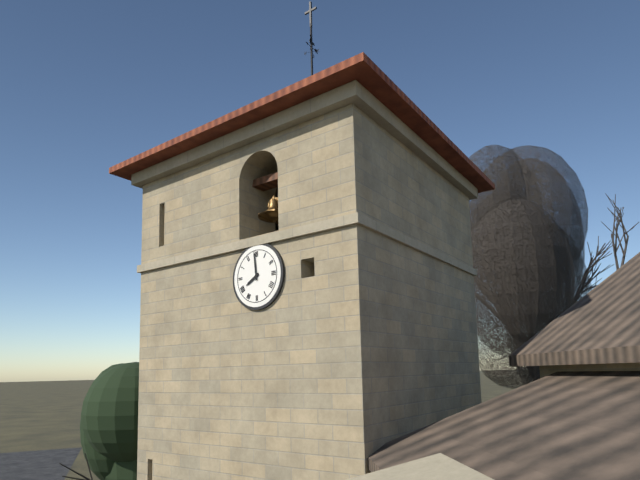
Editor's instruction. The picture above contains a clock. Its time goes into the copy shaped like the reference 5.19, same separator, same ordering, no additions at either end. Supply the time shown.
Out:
7.59
